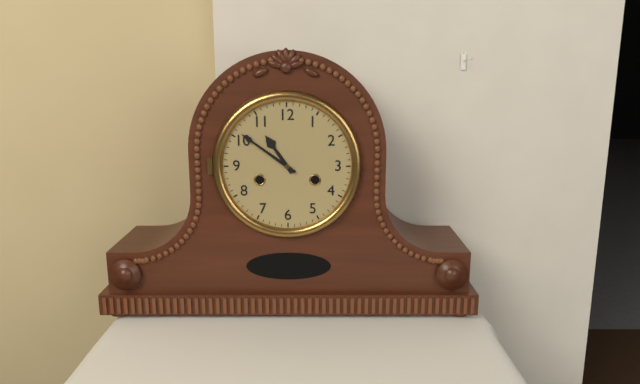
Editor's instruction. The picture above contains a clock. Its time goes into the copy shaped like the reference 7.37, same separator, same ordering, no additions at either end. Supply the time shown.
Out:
10.51
